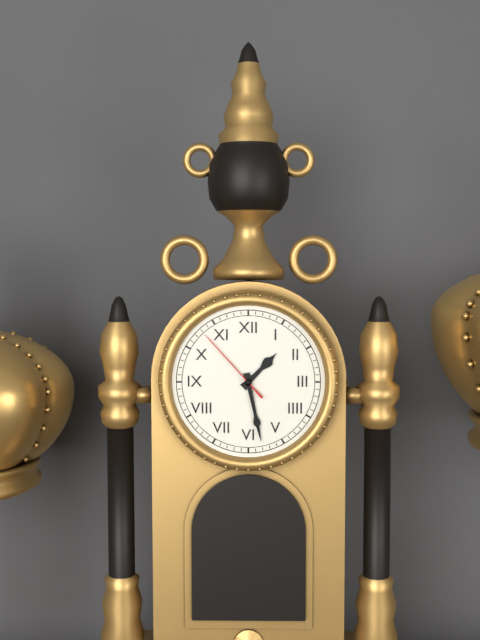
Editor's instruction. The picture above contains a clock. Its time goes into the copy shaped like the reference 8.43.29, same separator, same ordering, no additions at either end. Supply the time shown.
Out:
1.28.53
